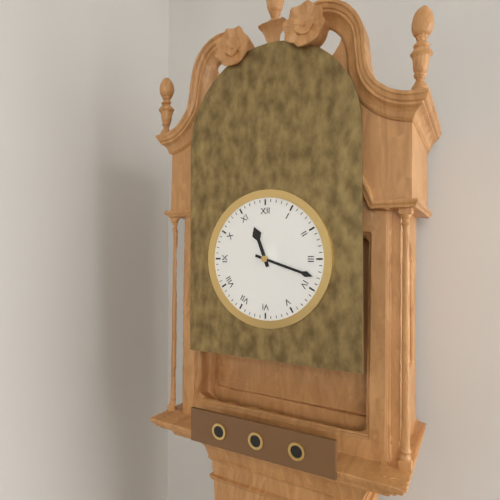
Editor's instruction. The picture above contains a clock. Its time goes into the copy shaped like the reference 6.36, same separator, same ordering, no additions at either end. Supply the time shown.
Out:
11.18
